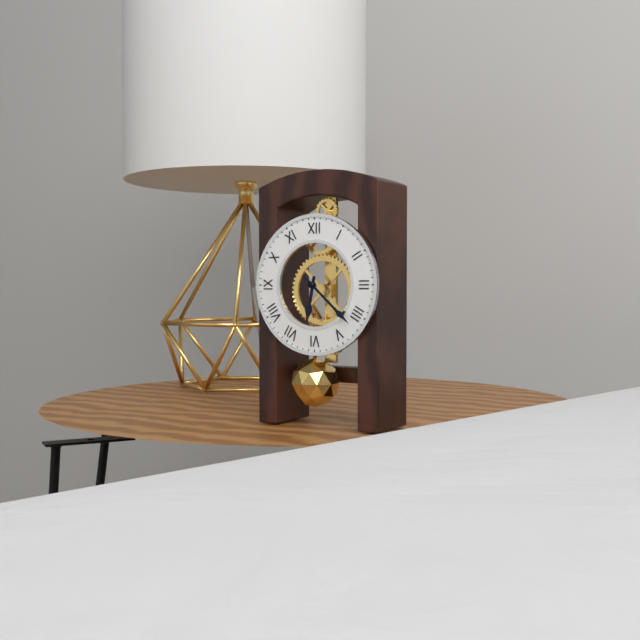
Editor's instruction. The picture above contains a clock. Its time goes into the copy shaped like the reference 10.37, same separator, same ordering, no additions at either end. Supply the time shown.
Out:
6.22
